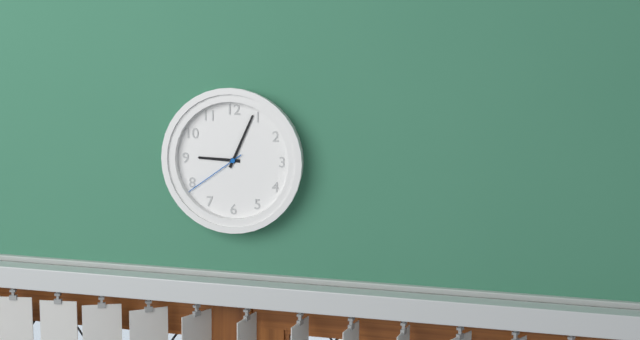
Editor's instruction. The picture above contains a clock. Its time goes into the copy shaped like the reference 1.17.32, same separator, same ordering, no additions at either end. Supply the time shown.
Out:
9.04.39
